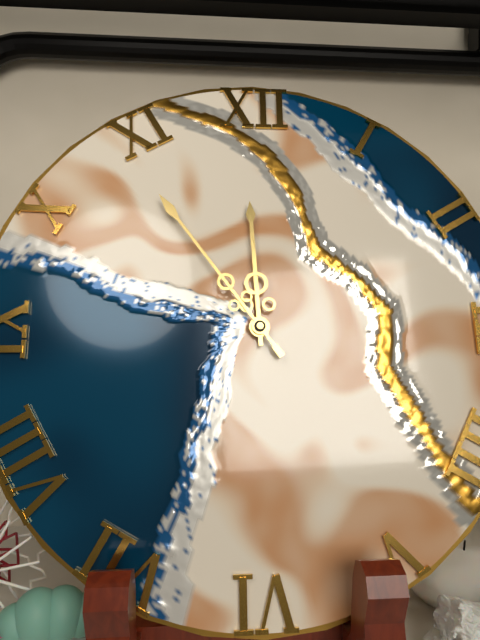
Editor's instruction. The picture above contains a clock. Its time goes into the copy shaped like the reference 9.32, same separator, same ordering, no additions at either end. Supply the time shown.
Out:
11.54
